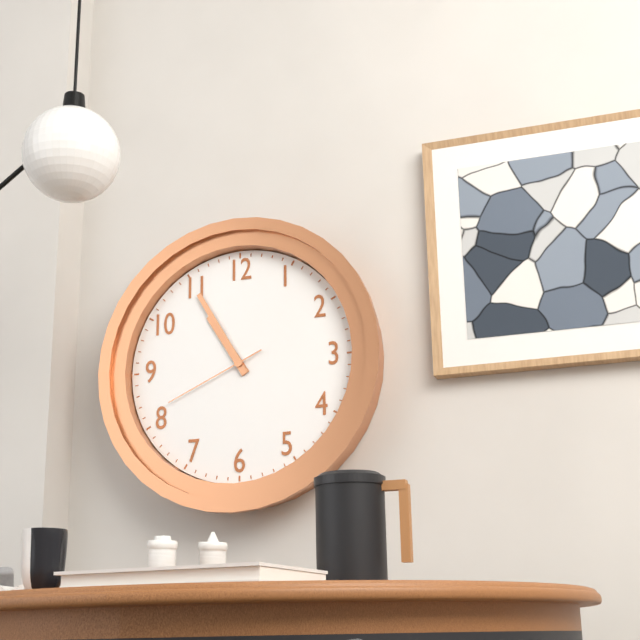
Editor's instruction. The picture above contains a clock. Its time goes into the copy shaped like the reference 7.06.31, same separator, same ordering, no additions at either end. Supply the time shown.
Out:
10.55.41
